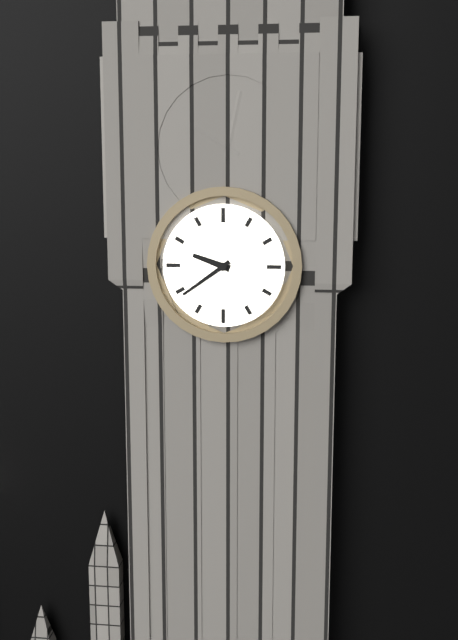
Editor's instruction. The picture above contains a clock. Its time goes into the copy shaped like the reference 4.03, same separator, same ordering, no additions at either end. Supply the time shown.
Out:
9.39
